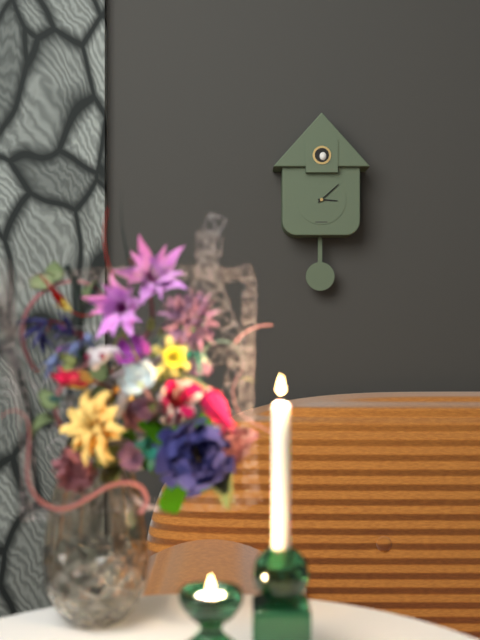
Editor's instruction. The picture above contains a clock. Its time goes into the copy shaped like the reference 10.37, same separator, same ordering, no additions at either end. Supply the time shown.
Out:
3.08
